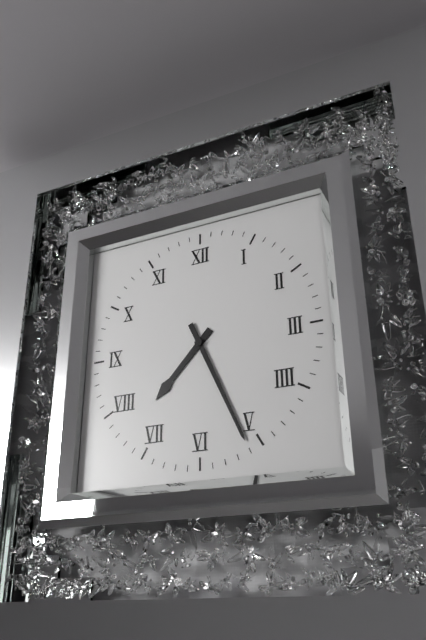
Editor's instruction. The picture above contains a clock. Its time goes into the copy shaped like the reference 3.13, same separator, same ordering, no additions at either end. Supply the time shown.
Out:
7.26
